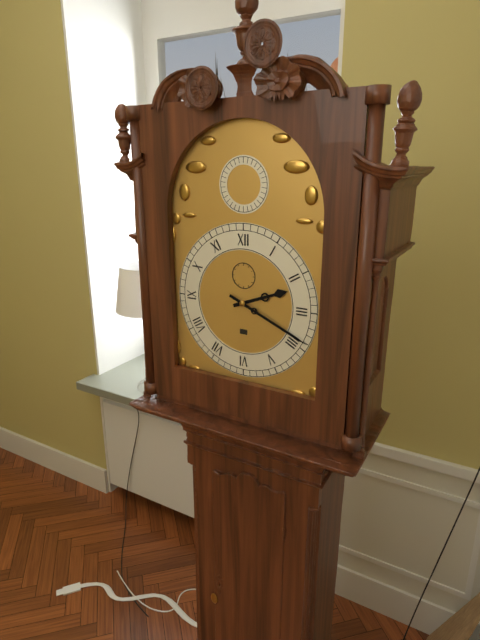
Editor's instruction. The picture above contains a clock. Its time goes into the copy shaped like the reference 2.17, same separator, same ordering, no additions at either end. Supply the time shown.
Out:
2.19
